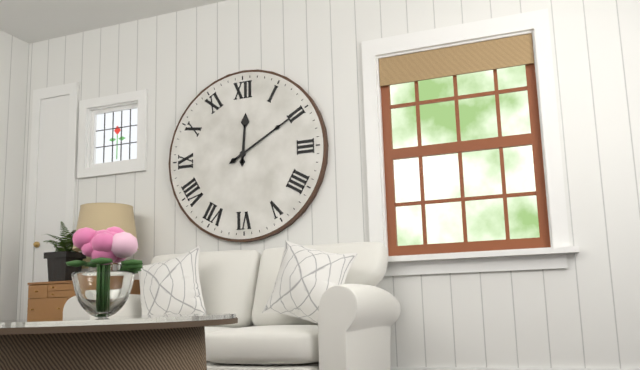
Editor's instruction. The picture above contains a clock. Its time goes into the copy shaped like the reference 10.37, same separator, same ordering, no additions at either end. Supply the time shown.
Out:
12.10
